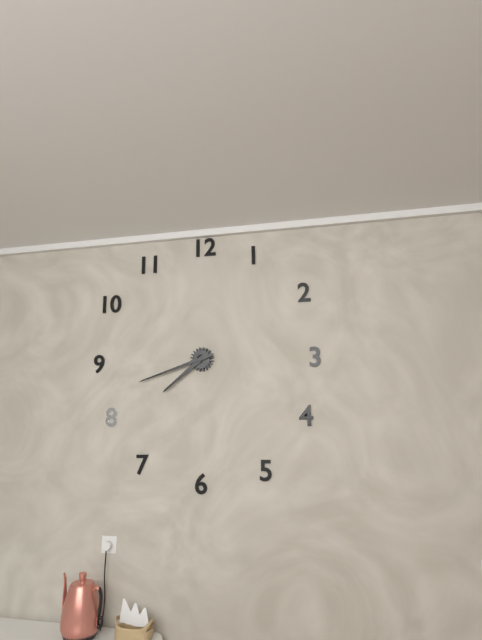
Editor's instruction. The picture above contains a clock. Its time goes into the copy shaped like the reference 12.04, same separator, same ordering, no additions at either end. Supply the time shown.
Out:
7.42
